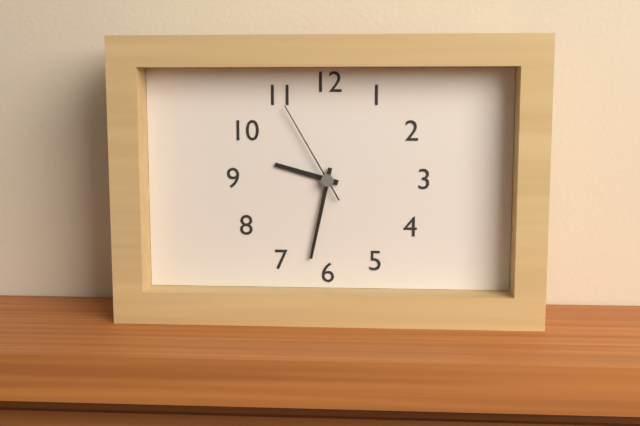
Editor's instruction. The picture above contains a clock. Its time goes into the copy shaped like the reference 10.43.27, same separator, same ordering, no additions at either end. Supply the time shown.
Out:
9.32.55
